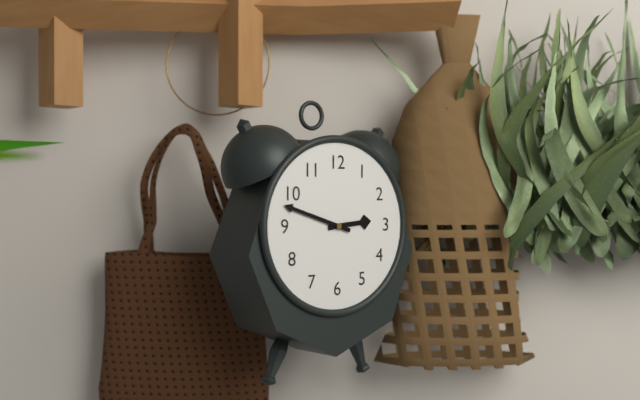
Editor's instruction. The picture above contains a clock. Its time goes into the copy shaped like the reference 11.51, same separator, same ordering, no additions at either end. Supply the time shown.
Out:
2.48
